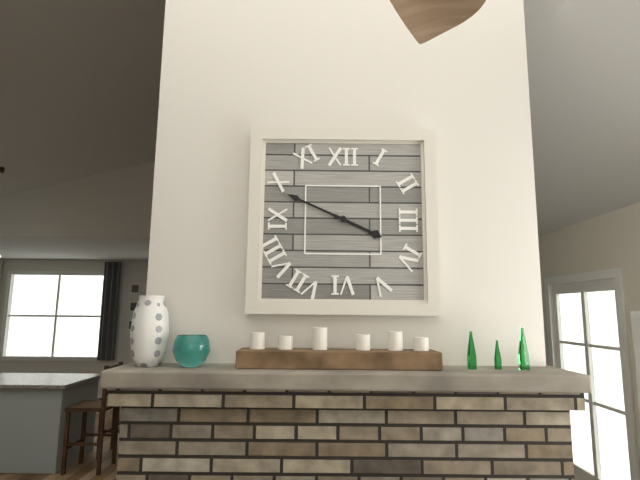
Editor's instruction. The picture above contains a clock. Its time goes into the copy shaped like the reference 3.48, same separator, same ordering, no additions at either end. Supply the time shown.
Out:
3.49
